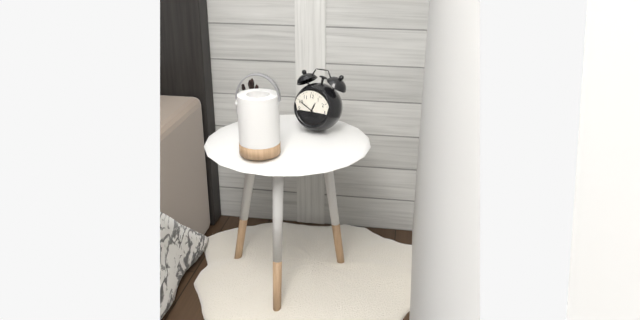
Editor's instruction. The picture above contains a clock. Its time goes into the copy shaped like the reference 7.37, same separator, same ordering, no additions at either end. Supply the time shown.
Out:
12.50
